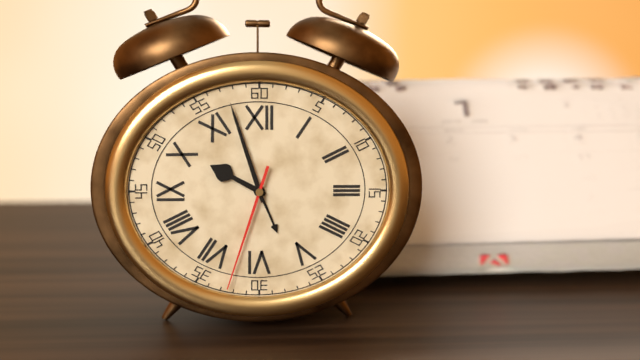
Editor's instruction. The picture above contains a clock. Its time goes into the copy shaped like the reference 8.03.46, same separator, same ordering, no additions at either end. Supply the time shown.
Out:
9.57.33
